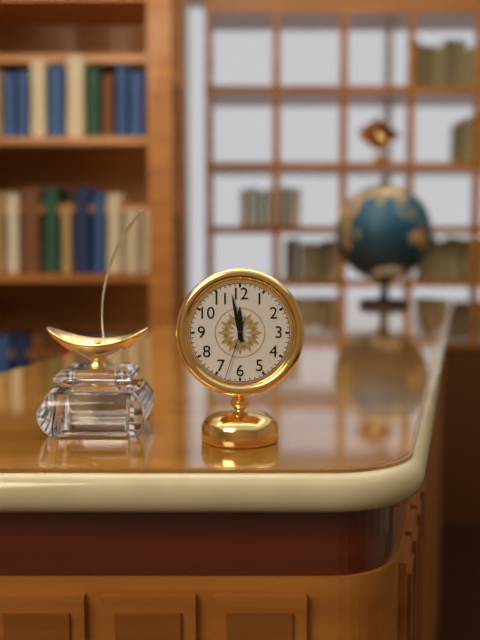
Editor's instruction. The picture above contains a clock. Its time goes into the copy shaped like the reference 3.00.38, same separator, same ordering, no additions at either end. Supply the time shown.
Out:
11.58.33
